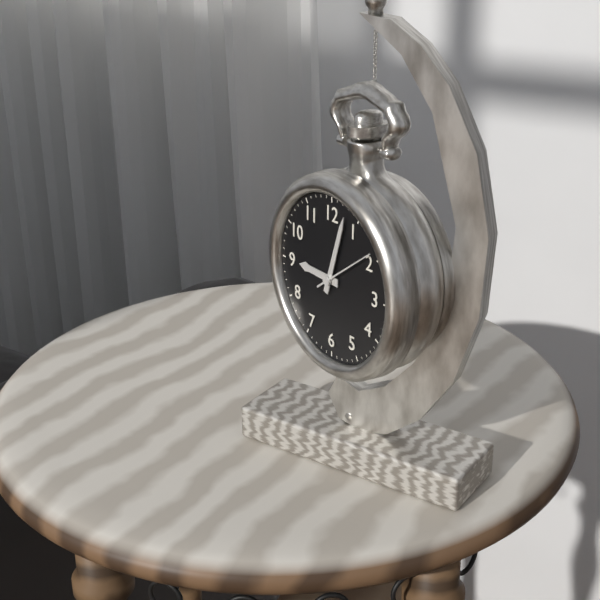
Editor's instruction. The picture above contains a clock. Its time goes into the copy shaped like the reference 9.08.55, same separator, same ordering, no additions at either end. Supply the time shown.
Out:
9.03.09
